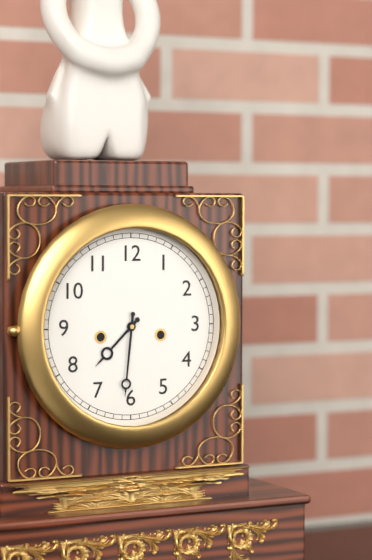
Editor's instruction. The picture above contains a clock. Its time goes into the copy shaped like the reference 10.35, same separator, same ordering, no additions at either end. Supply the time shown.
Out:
7.31
